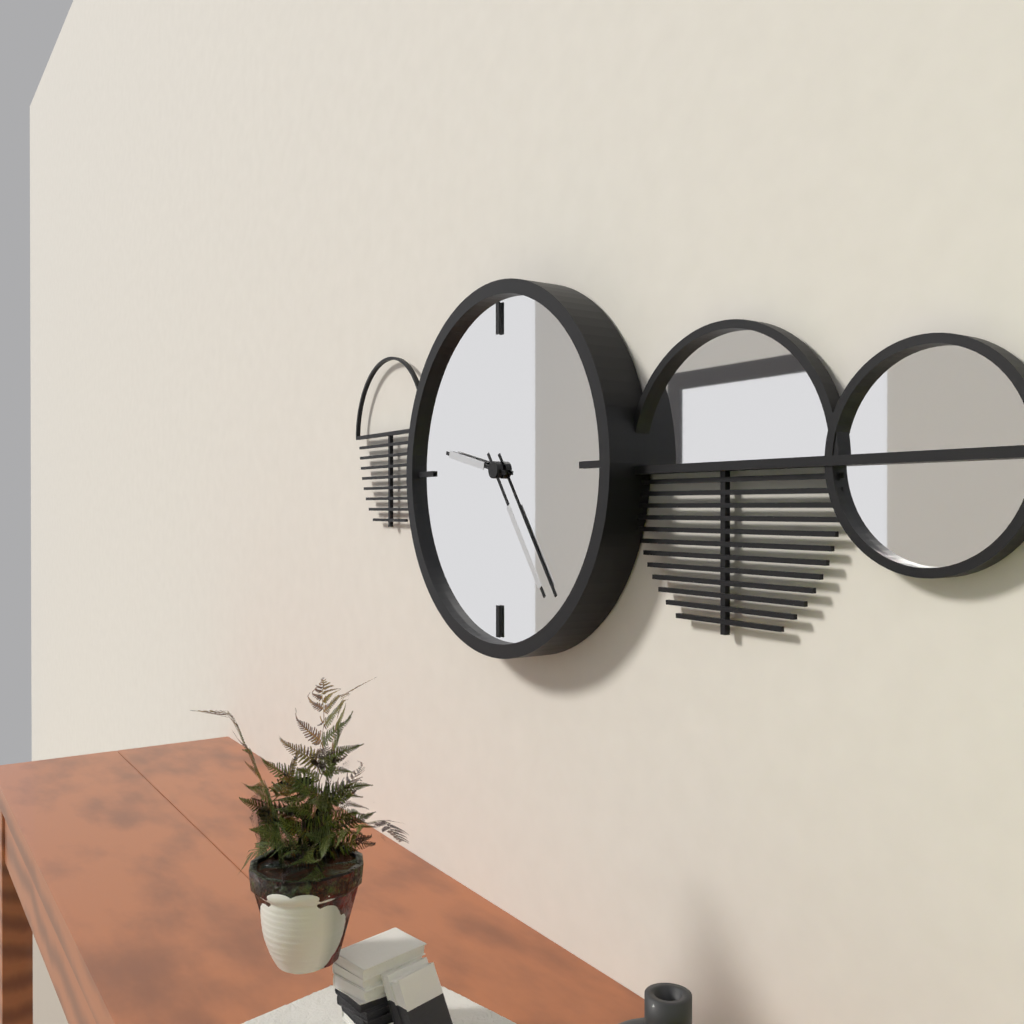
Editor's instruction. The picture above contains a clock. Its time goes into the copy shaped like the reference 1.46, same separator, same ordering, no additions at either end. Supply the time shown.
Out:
9.24
